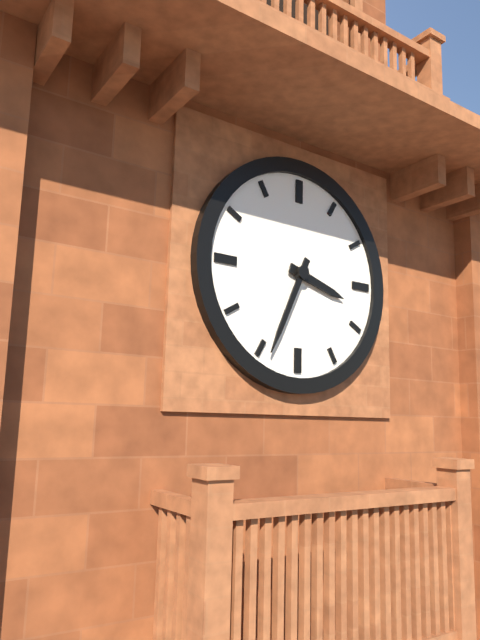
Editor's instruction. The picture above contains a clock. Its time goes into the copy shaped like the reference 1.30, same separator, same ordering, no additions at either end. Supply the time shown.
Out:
3.34
